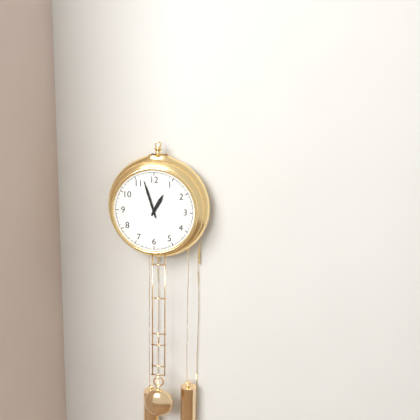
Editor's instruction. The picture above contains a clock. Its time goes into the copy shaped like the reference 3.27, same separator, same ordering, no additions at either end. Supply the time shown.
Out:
12.57
